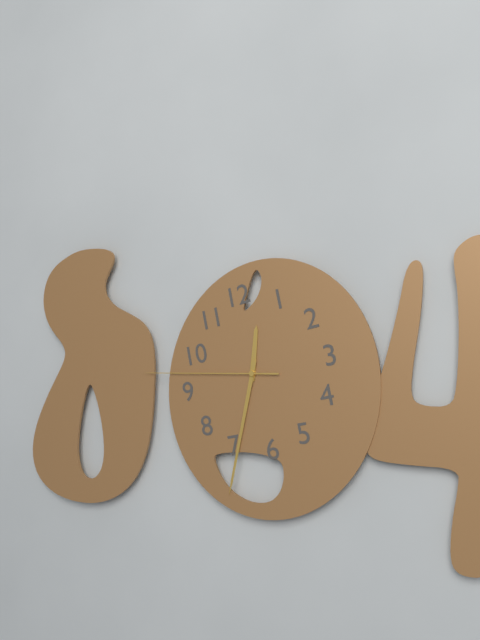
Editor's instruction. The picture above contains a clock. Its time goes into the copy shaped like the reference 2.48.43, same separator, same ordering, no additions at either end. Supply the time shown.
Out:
12.34.47
